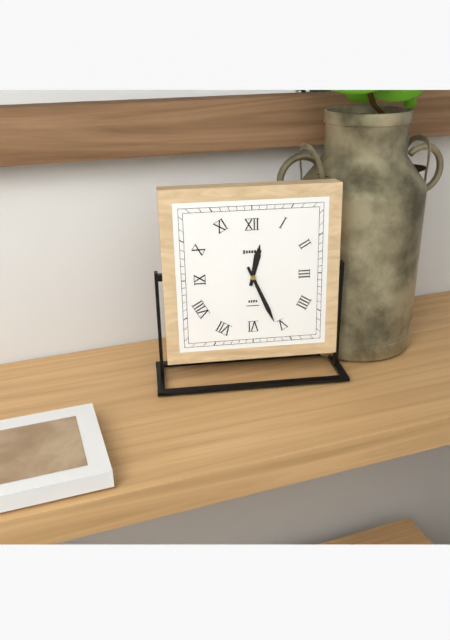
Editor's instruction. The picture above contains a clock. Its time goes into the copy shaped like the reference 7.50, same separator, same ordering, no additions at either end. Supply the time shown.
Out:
12.26
